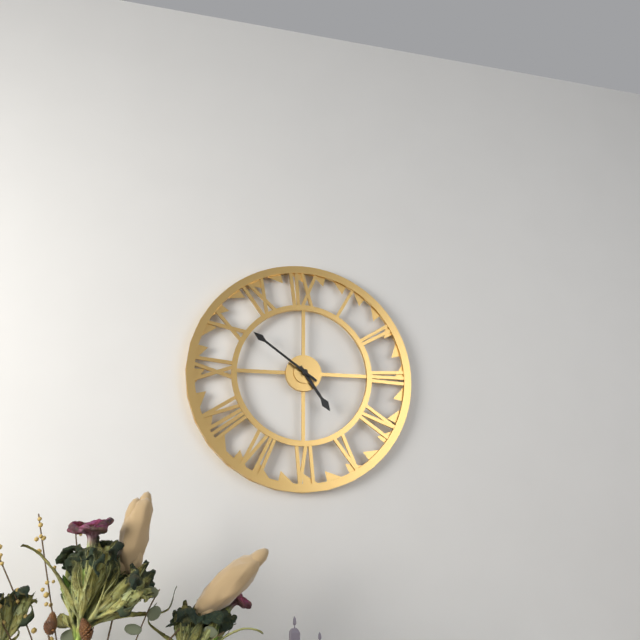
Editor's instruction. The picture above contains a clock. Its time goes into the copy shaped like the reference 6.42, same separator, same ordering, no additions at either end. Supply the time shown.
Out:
4.51
